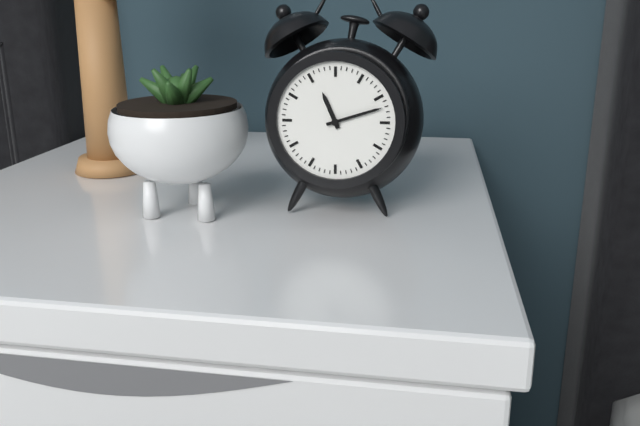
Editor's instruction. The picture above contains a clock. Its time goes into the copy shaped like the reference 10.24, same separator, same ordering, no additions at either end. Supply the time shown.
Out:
11.12
